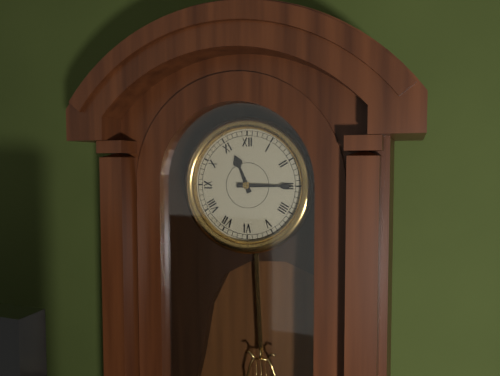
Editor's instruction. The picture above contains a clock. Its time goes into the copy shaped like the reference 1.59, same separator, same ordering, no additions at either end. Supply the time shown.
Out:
11.15
